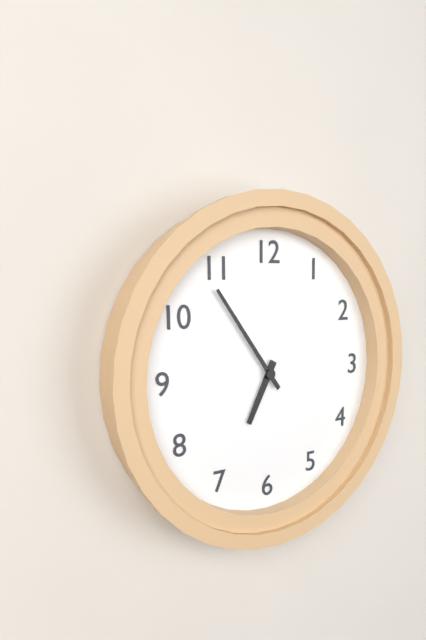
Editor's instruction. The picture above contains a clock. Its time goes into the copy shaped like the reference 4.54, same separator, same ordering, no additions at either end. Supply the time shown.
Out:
6.54
